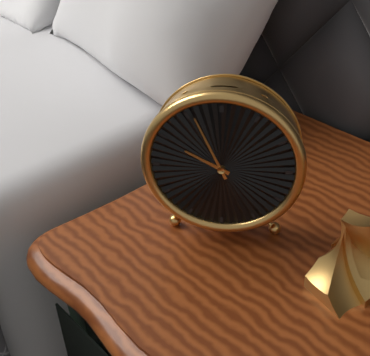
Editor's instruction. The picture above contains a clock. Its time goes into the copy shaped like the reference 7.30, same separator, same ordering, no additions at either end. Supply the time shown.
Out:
9.56
